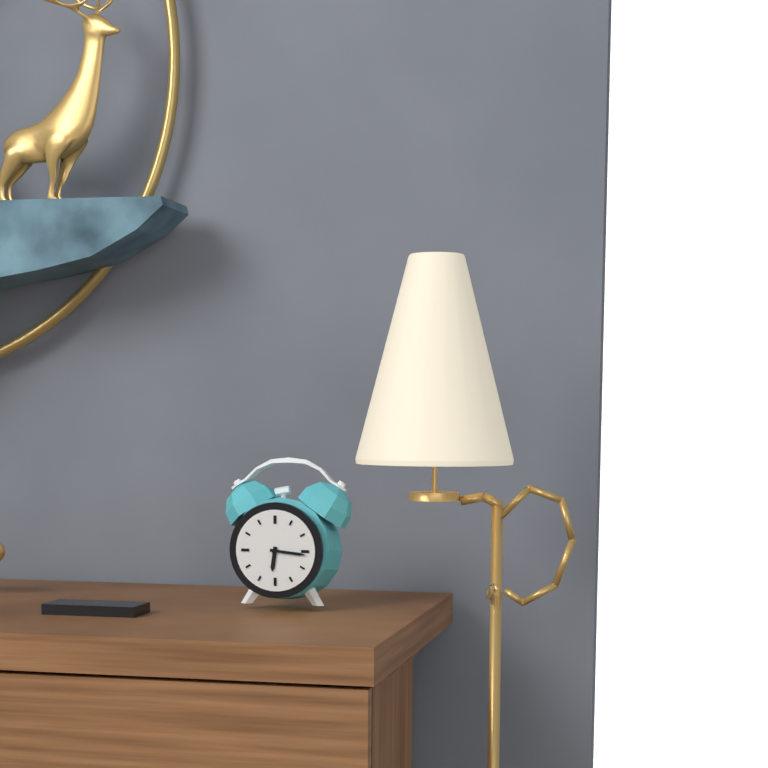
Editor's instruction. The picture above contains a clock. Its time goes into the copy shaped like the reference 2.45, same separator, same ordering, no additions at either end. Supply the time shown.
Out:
6.16
